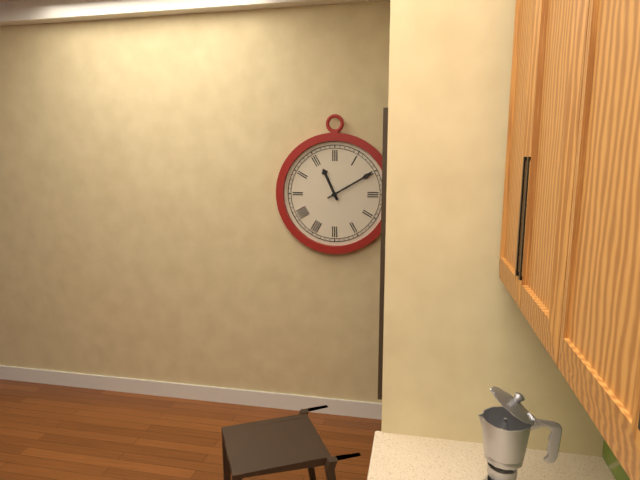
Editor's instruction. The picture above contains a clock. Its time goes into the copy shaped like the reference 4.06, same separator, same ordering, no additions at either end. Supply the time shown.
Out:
11.10
